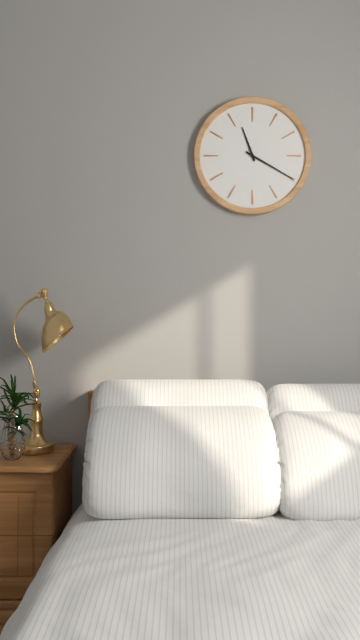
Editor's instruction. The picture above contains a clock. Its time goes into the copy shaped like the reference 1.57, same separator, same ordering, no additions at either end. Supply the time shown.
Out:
11.20
